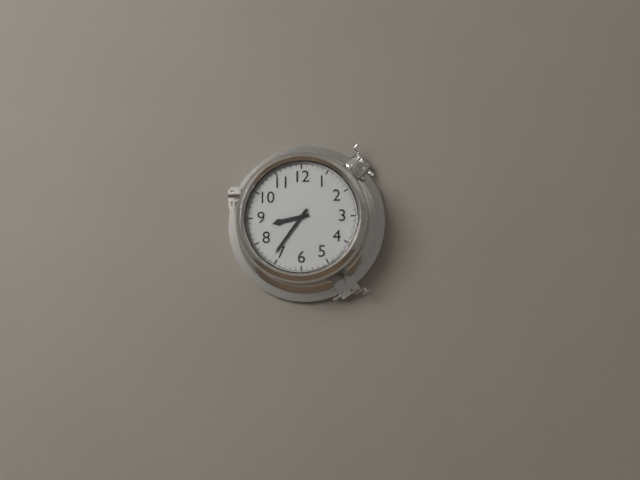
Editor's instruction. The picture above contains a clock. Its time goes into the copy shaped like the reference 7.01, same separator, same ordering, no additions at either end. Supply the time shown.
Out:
8.36
